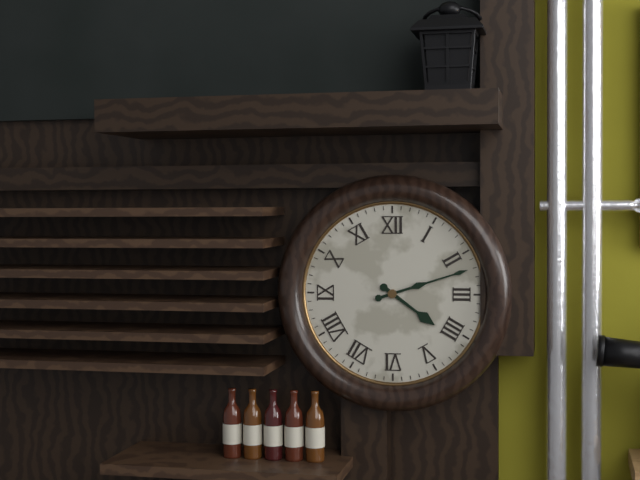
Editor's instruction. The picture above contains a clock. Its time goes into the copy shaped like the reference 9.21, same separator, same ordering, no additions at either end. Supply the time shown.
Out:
4.12
